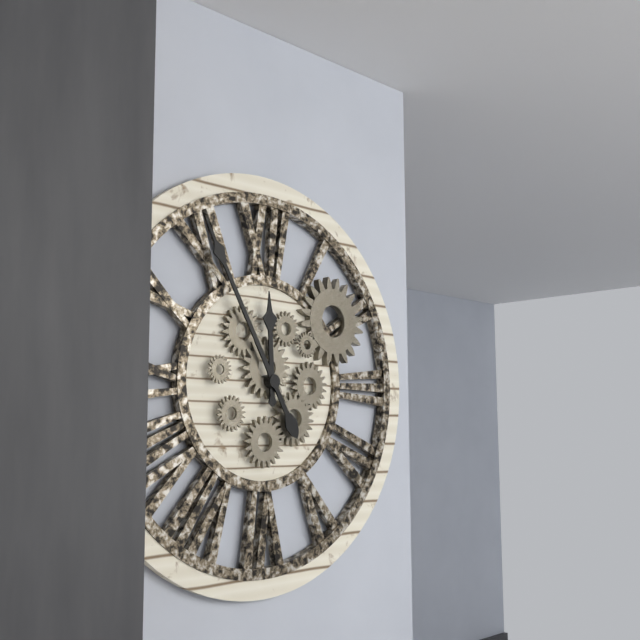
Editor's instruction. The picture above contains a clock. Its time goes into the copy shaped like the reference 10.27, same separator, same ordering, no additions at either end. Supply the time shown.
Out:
11.55
